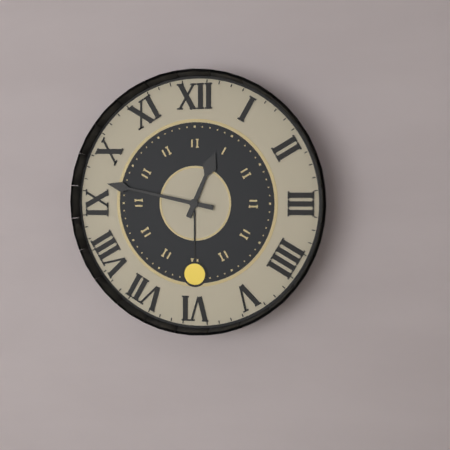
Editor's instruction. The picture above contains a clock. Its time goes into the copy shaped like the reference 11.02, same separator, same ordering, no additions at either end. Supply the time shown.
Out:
12.47
